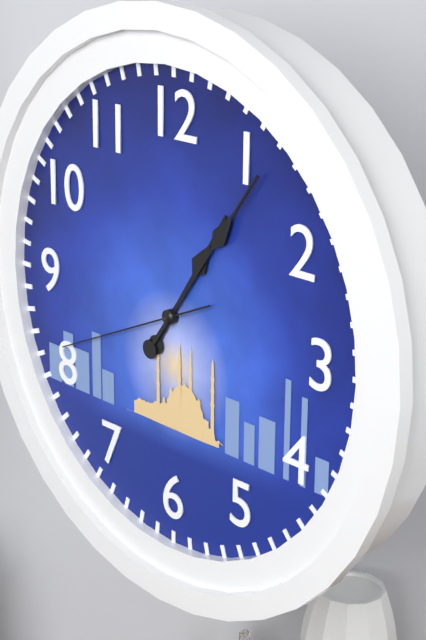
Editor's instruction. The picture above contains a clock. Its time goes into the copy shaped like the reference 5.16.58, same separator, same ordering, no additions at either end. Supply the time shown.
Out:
1.06.41
